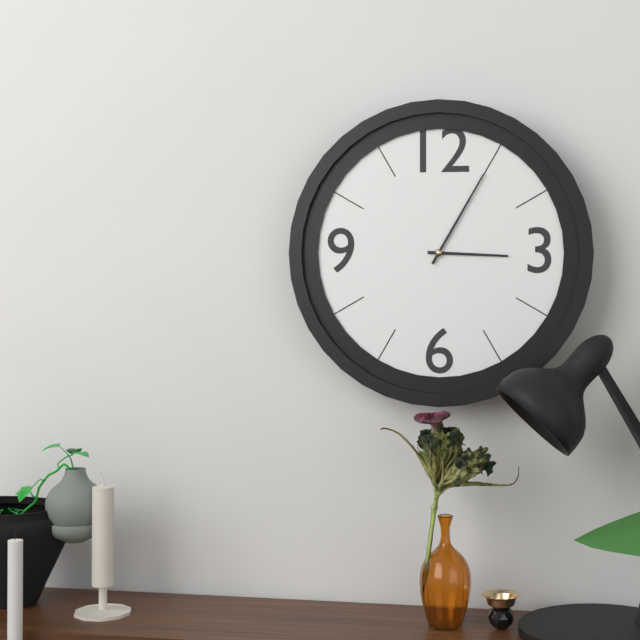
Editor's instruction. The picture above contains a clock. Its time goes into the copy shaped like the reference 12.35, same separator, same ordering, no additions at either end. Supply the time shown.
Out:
3.05
